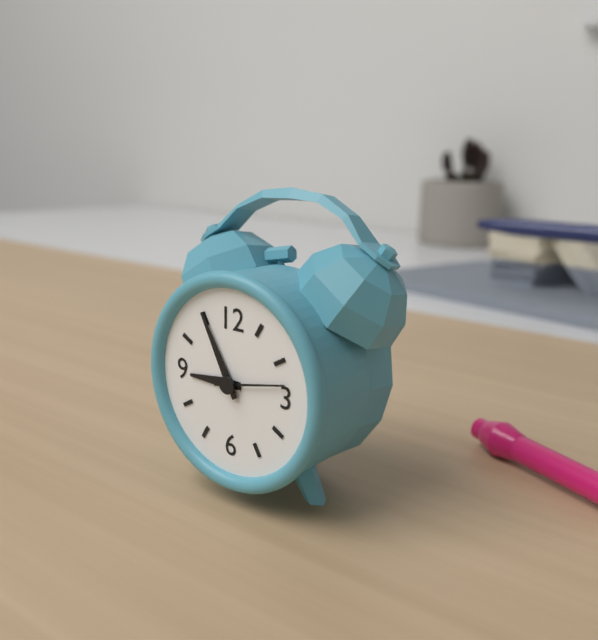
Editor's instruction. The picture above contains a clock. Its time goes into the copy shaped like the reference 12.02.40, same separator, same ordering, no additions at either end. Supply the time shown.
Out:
8.55.13
